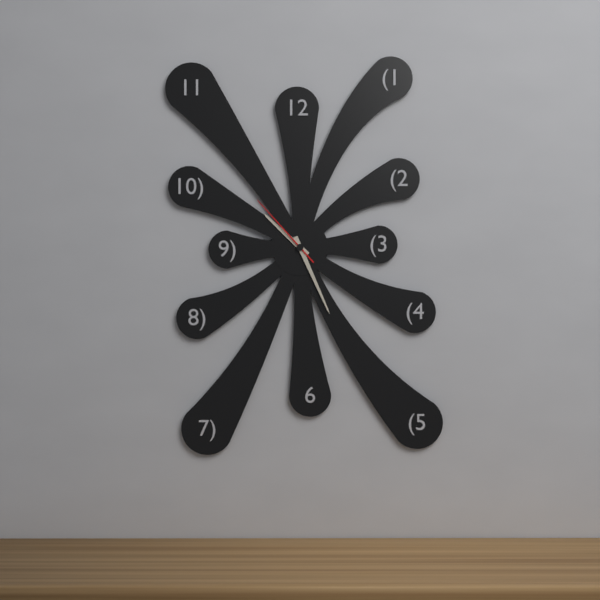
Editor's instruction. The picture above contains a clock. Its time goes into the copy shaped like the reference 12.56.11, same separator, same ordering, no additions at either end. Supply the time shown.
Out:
10.26.53
